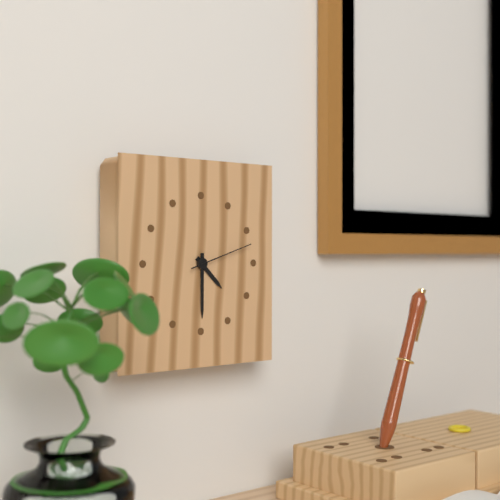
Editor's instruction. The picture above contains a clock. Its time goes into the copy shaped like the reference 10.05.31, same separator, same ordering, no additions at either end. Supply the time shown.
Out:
4.30.12
